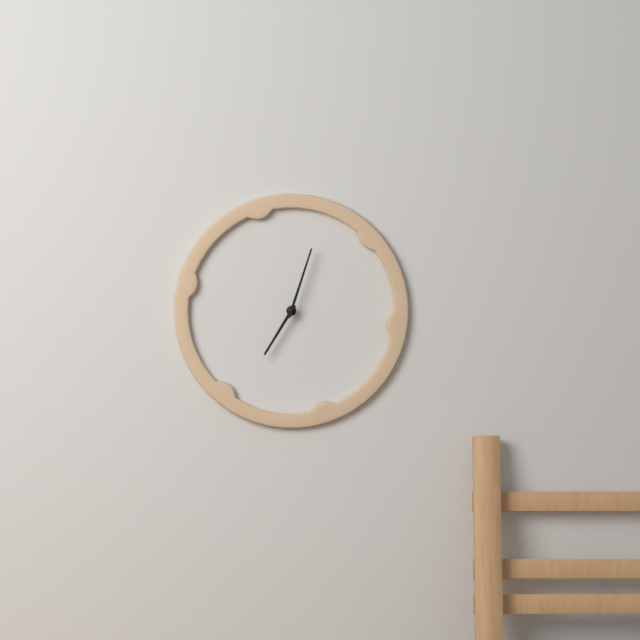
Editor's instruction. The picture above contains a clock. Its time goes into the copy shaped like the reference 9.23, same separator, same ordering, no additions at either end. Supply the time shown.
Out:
7.03
